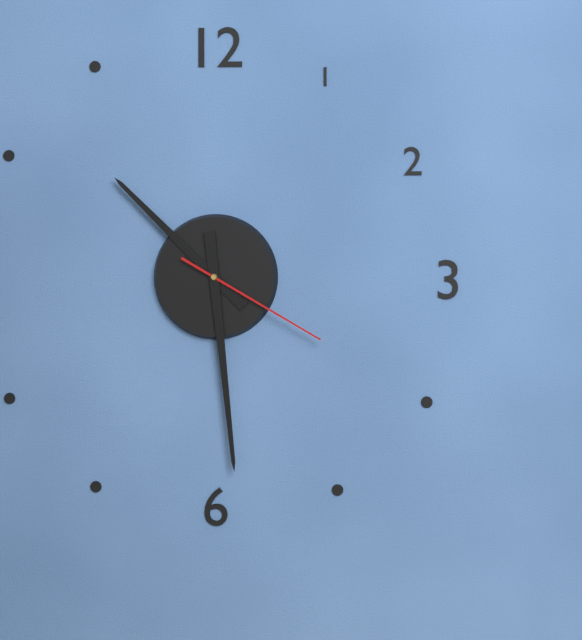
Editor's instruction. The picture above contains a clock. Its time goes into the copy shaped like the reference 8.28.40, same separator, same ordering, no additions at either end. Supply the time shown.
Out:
10.29.20
